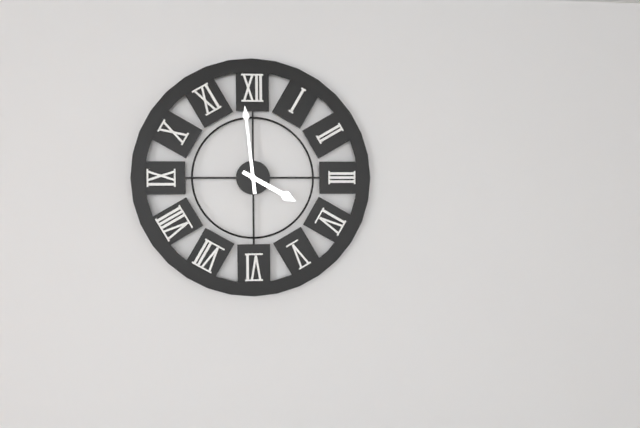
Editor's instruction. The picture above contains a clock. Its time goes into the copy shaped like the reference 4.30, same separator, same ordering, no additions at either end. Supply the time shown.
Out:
3.59
